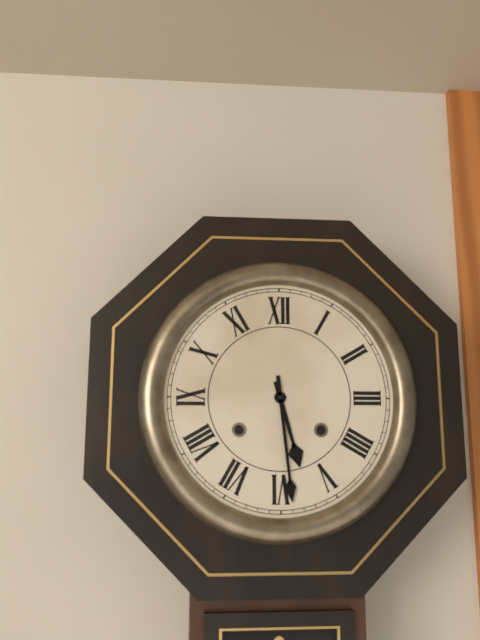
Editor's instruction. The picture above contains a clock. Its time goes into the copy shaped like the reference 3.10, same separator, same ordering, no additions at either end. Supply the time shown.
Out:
5.29
